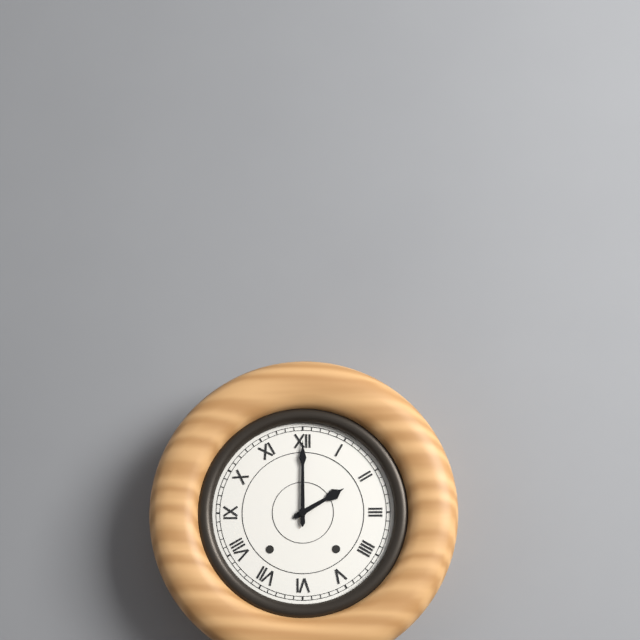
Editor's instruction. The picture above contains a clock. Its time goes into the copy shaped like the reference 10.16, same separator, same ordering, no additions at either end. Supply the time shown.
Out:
2.00
